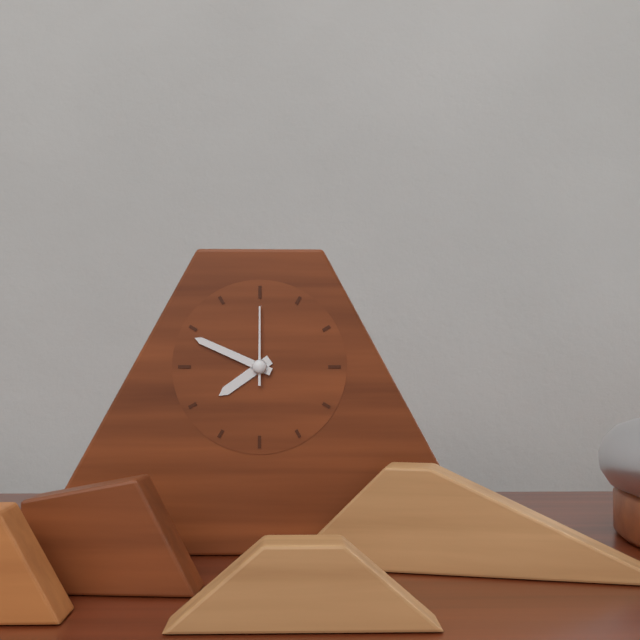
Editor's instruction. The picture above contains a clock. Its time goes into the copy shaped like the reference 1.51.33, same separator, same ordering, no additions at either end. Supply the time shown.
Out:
7.49.00
